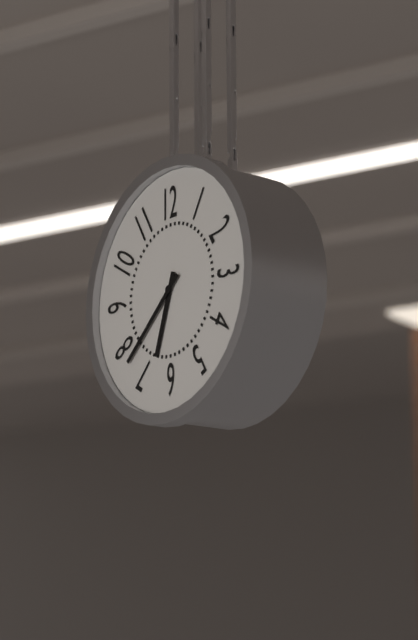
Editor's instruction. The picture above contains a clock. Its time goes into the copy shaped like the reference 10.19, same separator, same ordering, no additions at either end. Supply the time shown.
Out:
6.38
